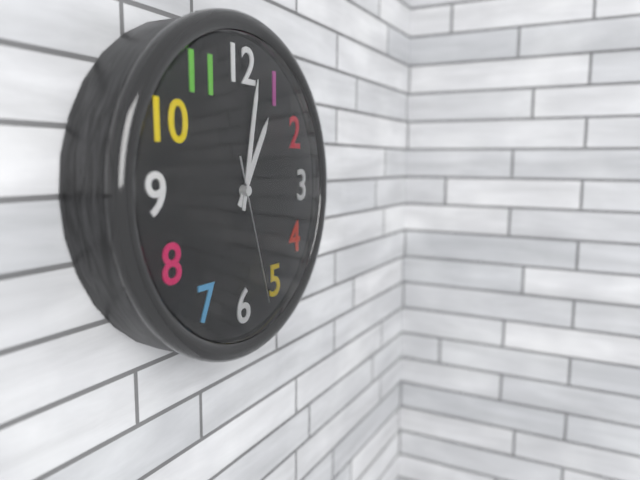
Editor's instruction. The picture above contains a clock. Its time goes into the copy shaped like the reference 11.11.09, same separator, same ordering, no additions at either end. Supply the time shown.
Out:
1.02.27
